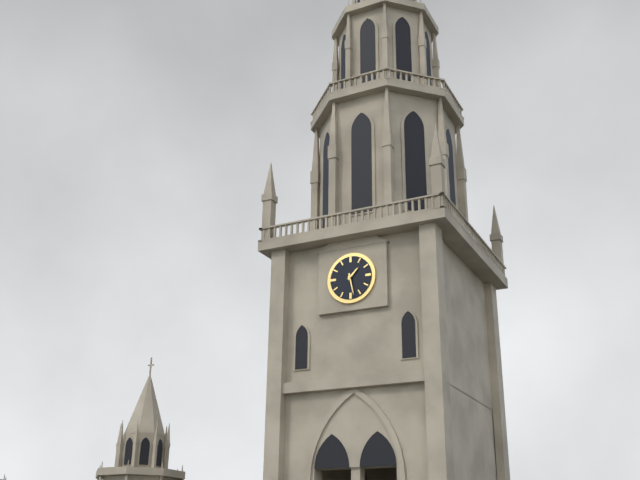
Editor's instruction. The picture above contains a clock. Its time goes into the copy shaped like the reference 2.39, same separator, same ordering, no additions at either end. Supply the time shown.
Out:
1.28
